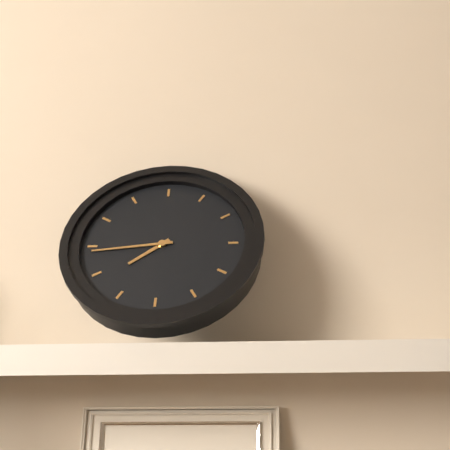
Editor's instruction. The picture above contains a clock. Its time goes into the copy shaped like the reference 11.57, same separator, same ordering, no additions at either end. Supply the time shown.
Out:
7.44
